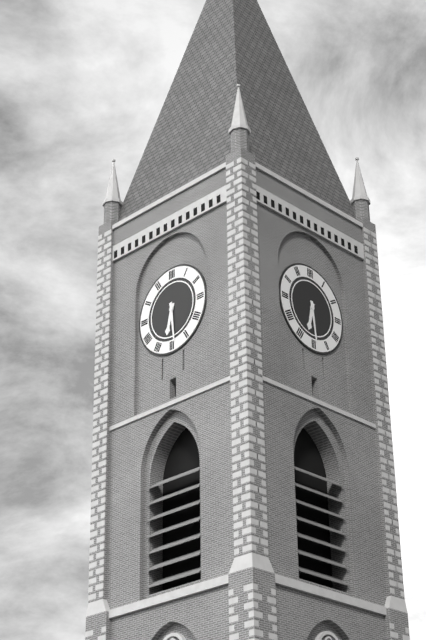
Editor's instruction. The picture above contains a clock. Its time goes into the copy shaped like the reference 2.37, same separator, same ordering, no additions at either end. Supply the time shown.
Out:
6.29
